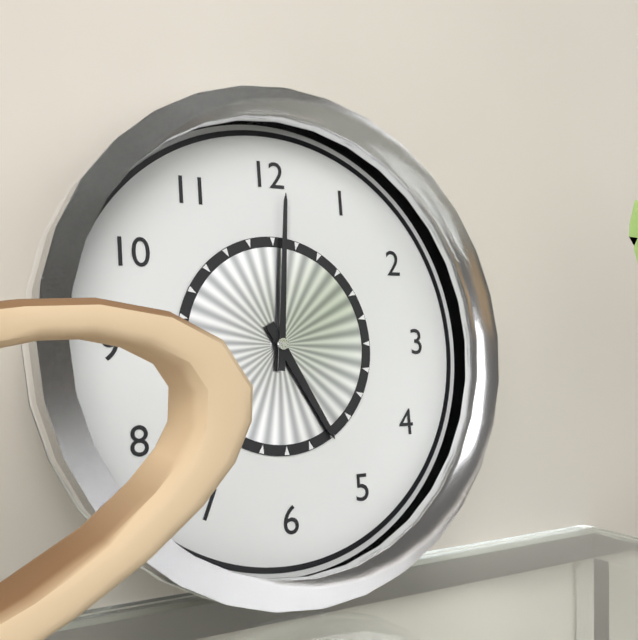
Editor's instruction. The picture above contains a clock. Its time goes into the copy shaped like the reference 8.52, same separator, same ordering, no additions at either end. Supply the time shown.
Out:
5.01
